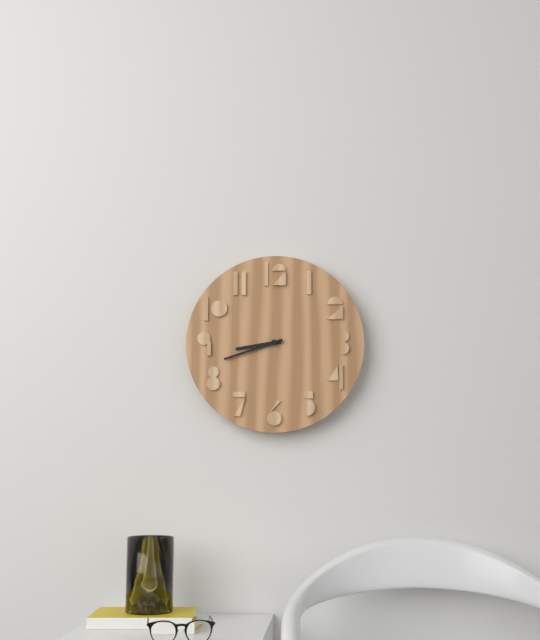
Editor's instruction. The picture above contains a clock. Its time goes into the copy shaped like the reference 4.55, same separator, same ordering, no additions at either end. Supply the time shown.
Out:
8.42
